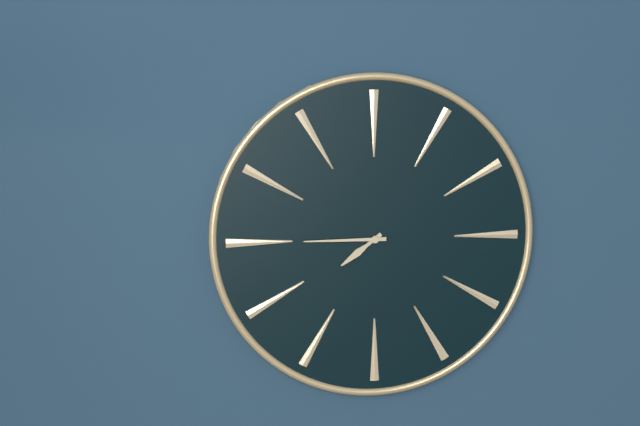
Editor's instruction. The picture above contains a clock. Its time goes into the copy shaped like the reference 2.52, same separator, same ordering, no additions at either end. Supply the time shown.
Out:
7.45
